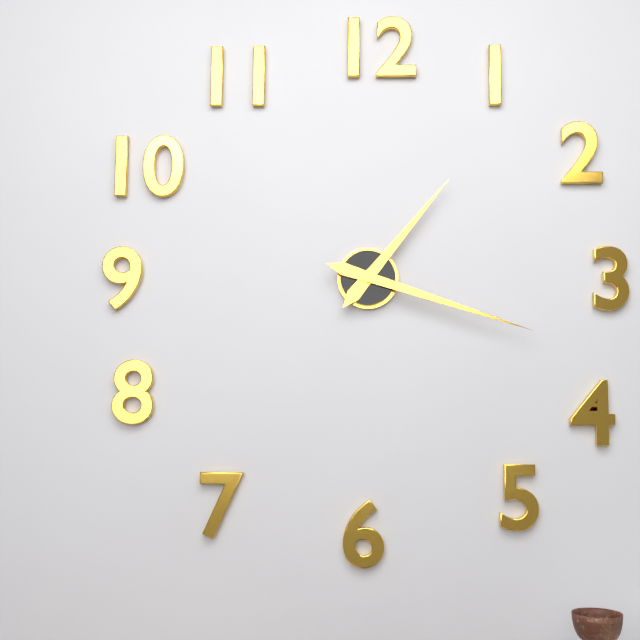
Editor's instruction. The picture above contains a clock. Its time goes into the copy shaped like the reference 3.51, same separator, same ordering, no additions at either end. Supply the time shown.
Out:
1.18
